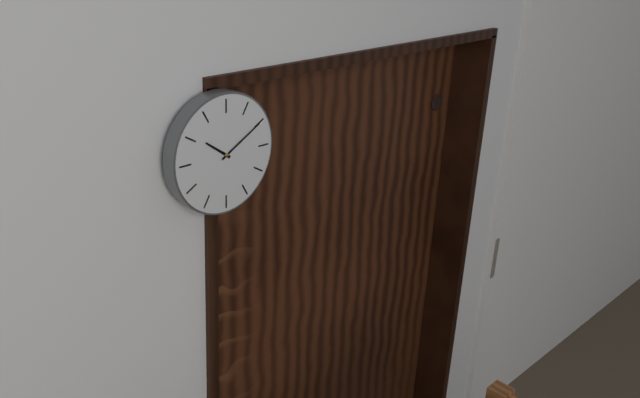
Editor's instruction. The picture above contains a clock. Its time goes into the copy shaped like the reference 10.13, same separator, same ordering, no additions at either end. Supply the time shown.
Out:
10.10
